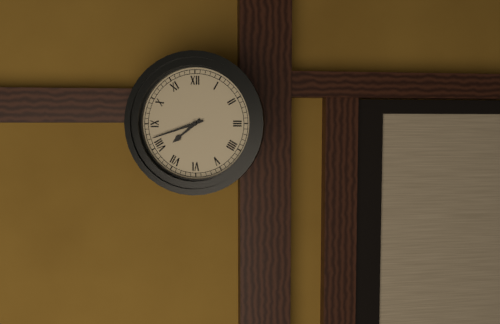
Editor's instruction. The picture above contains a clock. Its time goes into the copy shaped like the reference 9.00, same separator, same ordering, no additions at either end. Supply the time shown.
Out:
7.42
